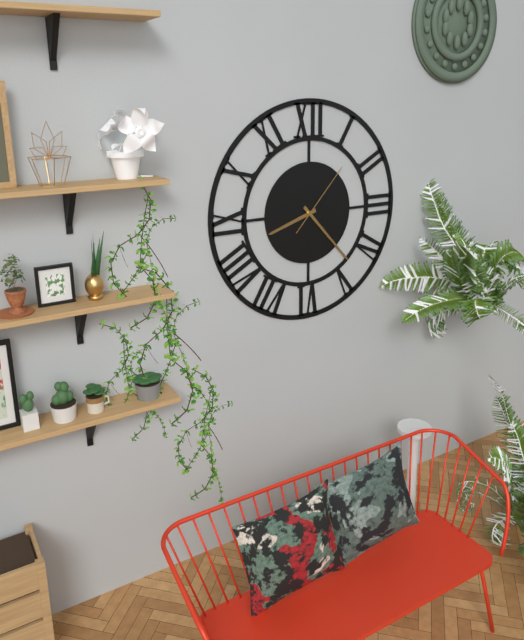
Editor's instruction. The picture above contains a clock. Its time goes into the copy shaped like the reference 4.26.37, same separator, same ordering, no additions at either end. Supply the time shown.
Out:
8.23.07
